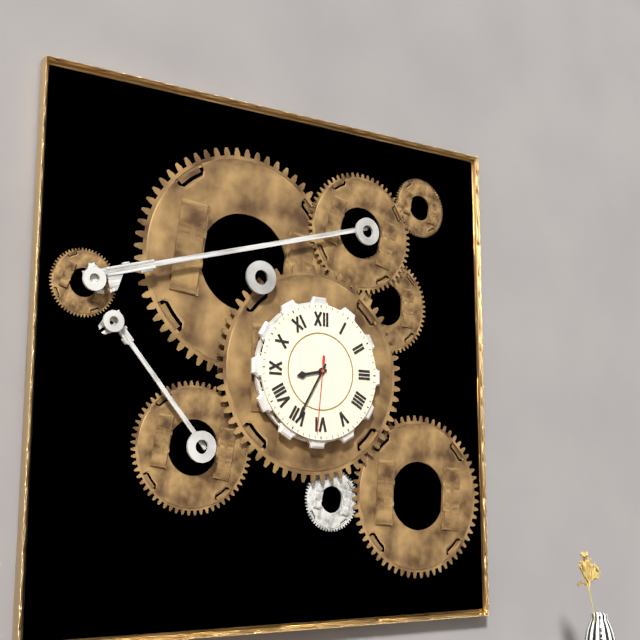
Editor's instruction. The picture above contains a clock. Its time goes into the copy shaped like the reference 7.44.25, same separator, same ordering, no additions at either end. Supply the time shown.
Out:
8.35.31
